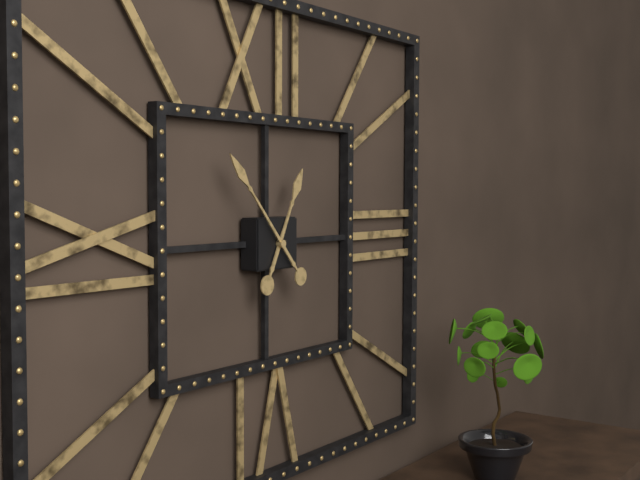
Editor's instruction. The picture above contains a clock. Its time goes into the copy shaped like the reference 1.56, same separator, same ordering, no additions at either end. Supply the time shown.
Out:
12.53
